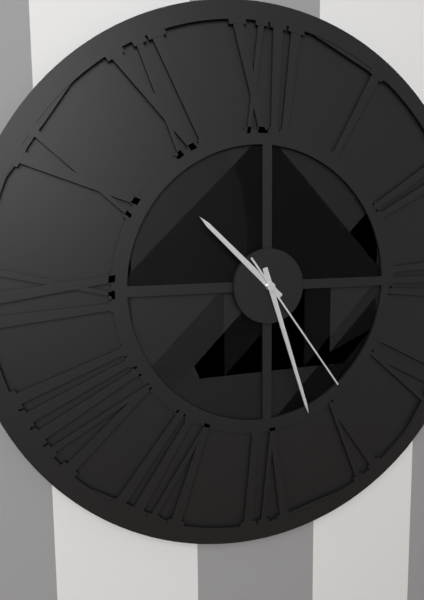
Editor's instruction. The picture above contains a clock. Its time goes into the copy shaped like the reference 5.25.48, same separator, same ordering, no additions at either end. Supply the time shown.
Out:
10.27.24
